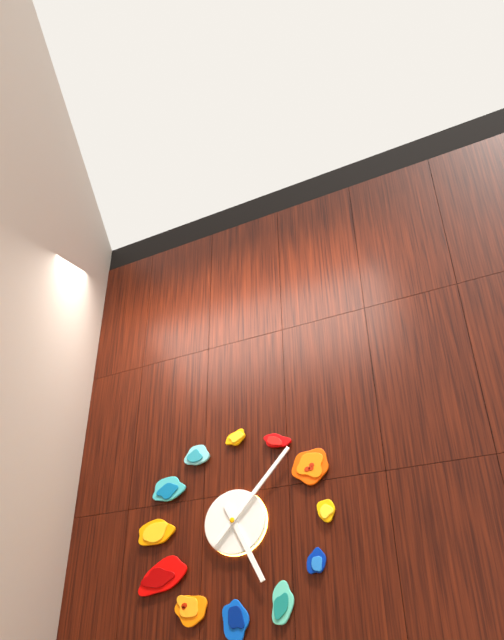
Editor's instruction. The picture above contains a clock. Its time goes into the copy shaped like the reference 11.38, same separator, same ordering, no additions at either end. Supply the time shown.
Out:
5.07
